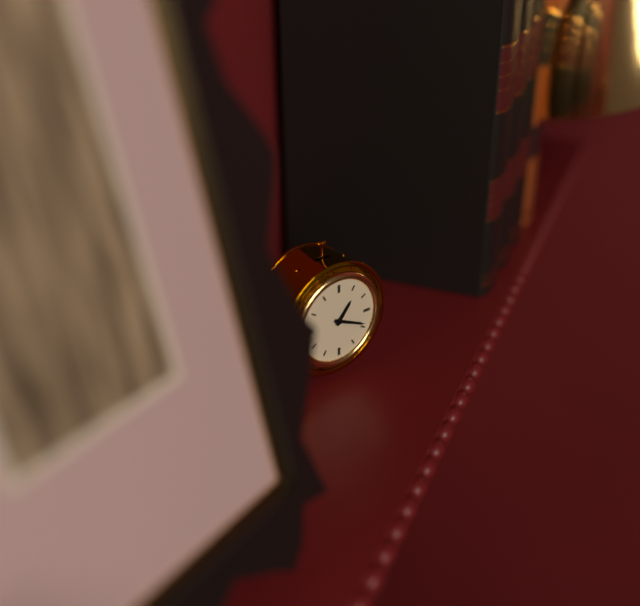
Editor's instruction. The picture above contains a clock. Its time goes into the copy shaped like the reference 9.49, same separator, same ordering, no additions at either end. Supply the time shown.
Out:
1.19
